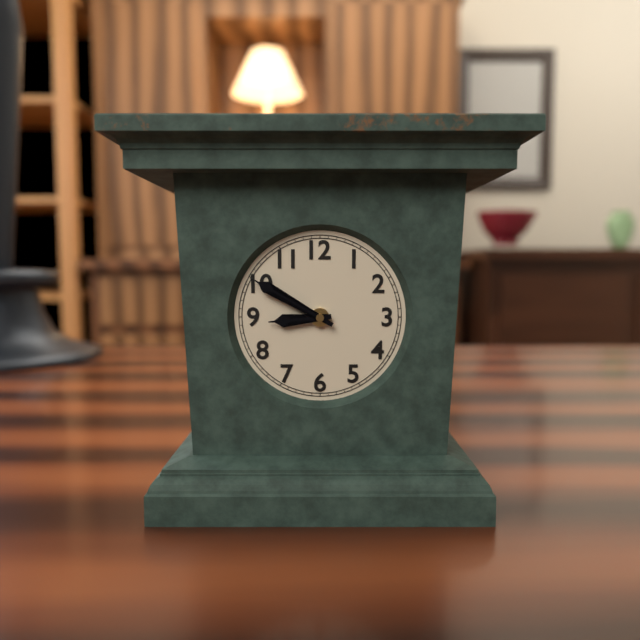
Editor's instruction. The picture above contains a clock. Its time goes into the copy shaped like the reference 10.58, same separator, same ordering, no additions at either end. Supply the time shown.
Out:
8.50
